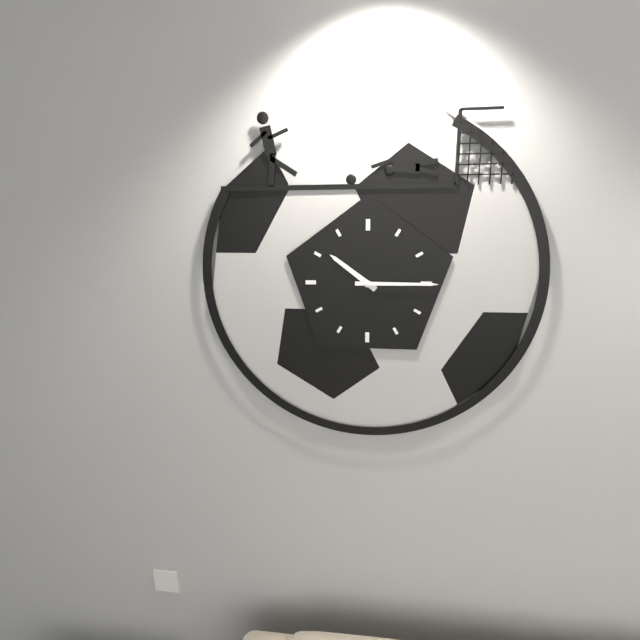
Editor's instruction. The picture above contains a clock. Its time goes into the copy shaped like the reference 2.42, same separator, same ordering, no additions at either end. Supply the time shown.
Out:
10.15
